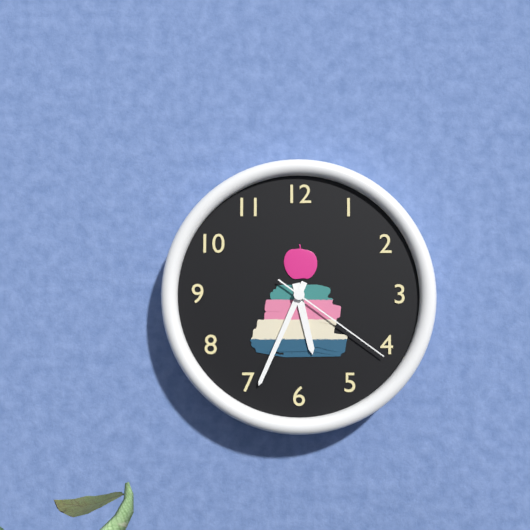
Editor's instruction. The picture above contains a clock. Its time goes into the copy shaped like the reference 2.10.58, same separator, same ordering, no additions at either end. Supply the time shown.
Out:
5.34.21
